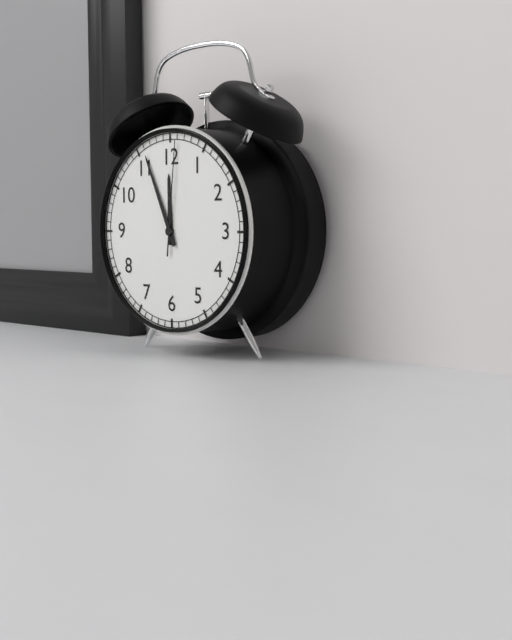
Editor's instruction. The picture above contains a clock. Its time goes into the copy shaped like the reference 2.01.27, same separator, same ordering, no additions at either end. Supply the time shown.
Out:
11.56.01
